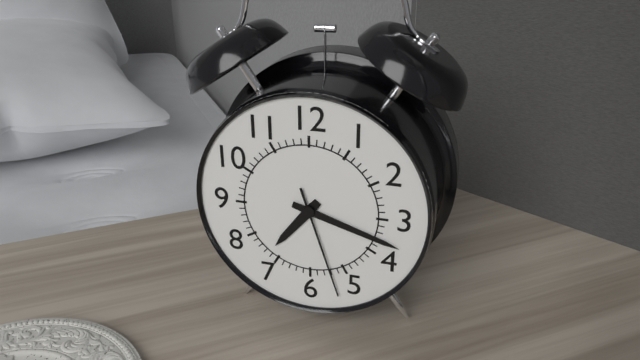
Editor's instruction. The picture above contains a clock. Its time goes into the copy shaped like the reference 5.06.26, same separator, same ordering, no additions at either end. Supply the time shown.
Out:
7.18.27
